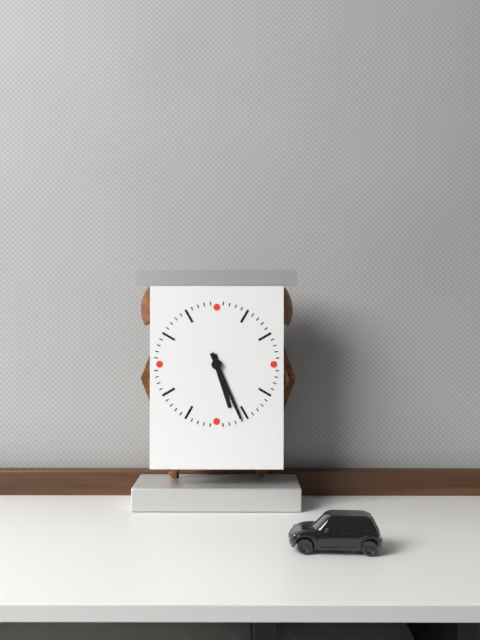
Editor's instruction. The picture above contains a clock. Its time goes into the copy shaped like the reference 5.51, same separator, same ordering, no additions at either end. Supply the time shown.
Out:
5.26
